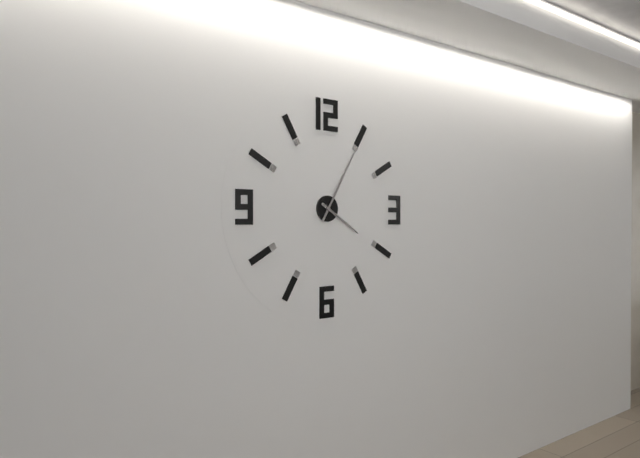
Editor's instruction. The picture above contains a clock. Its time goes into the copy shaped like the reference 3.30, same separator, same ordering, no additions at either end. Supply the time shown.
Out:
4.05
